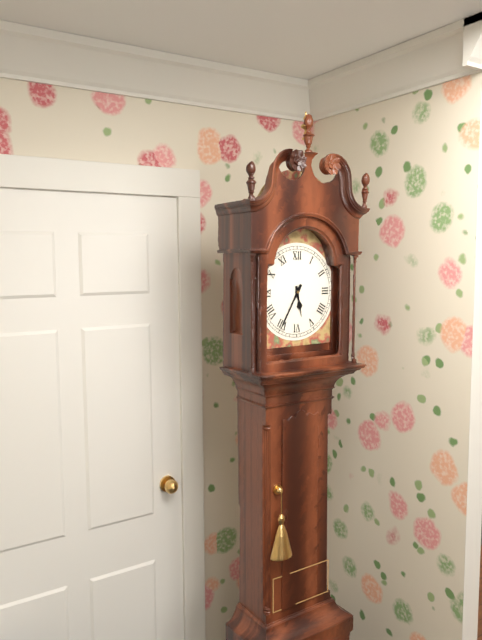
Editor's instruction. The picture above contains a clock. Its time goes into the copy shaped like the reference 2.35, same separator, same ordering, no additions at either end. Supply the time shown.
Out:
5.35
